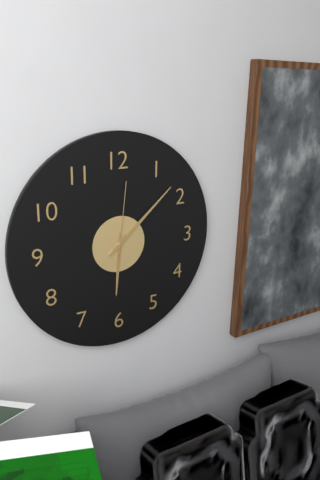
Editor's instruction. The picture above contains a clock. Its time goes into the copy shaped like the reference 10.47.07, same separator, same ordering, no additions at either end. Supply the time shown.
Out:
6.08.01
